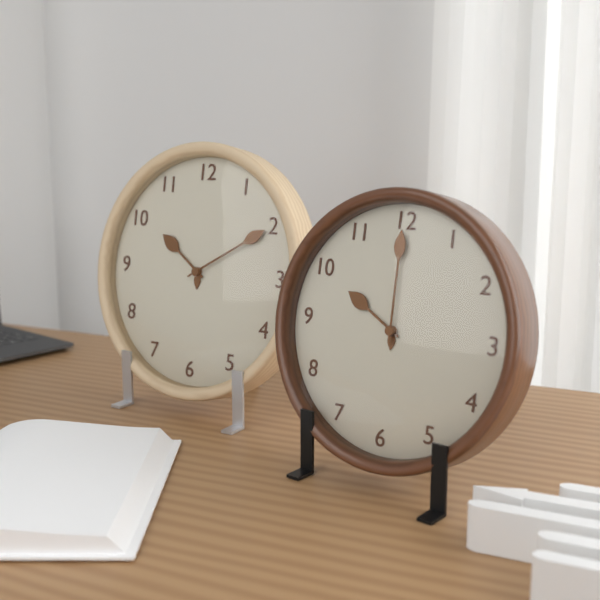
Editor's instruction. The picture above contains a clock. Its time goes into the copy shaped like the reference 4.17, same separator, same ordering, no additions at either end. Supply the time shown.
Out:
10.00
